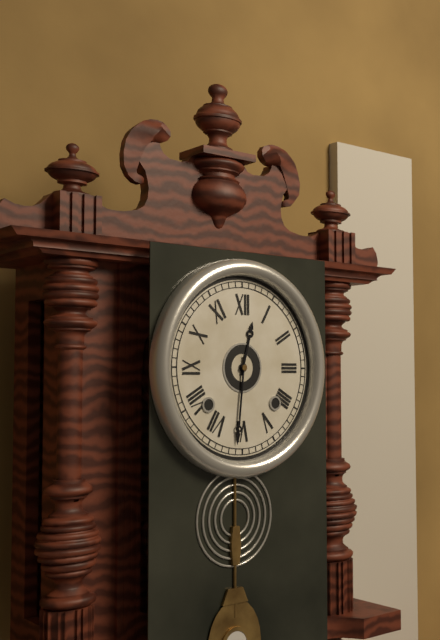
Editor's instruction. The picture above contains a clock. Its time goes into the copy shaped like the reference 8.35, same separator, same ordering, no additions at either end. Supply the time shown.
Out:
12.31
